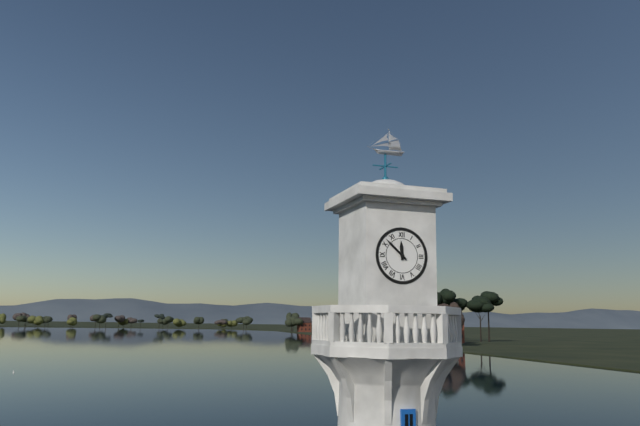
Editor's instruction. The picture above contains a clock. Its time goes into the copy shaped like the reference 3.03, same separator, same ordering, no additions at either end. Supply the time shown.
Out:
11.52
